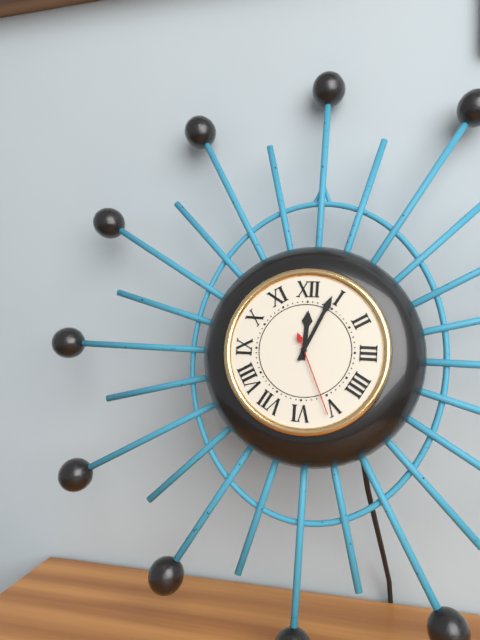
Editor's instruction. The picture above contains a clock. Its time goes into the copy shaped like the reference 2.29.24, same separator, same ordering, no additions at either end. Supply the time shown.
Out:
12.04.26
